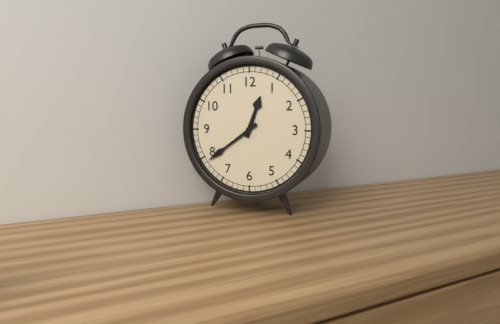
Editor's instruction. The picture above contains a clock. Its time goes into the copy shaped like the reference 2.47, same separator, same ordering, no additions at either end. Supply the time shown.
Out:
12.39
